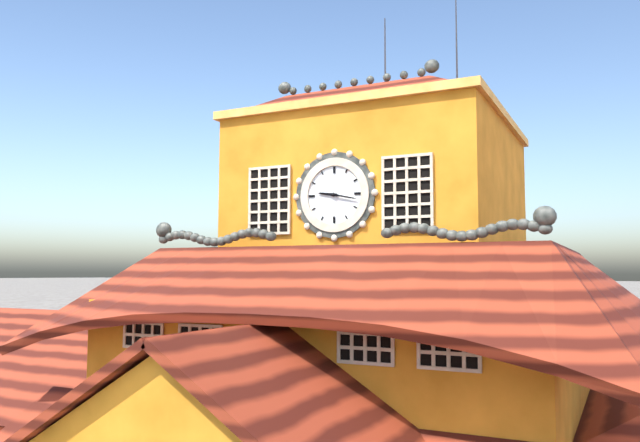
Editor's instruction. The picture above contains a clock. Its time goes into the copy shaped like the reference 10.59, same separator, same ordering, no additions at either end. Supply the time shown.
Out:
9.17
